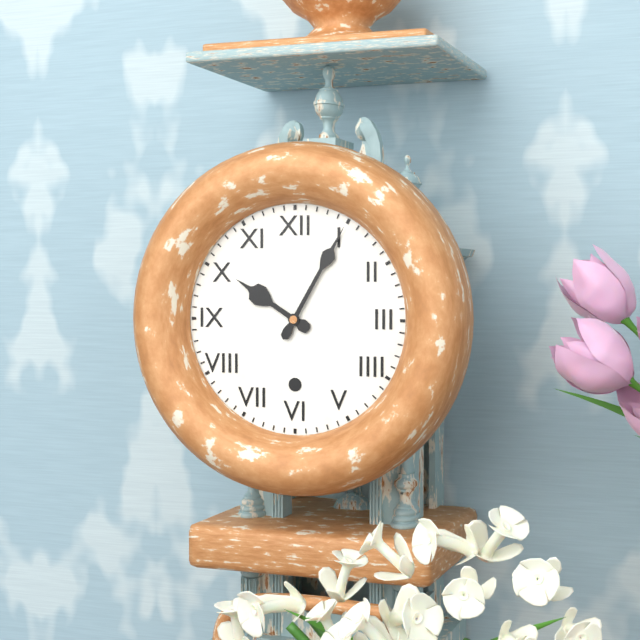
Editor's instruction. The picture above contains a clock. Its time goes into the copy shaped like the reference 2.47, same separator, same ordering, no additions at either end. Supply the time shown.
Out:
10.05
